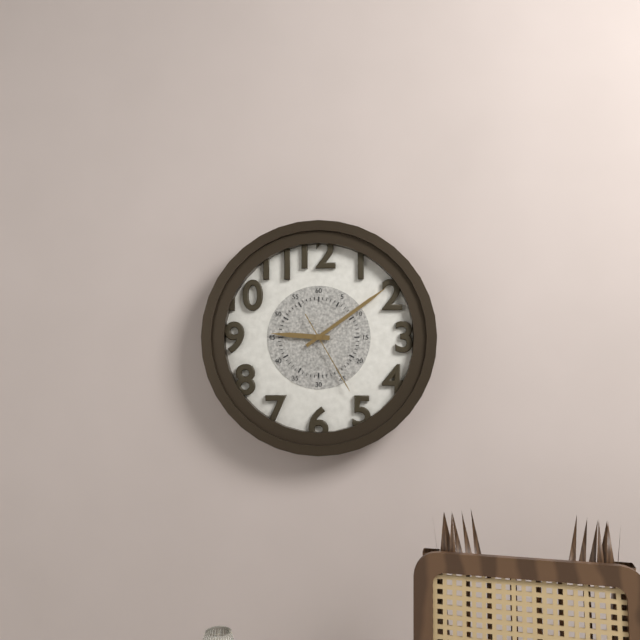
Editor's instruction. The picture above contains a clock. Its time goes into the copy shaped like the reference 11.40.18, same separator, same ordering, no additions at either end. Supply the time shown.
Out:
9.09.25
